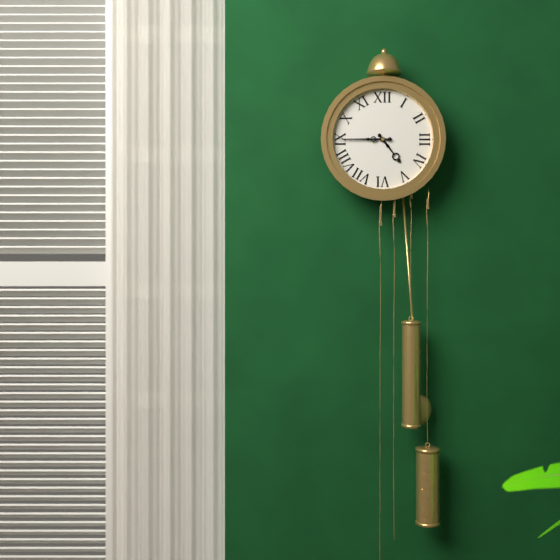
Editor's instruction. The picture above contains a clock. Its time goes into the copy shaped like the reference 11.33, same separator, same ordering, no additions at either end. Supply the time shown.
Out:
4.45
